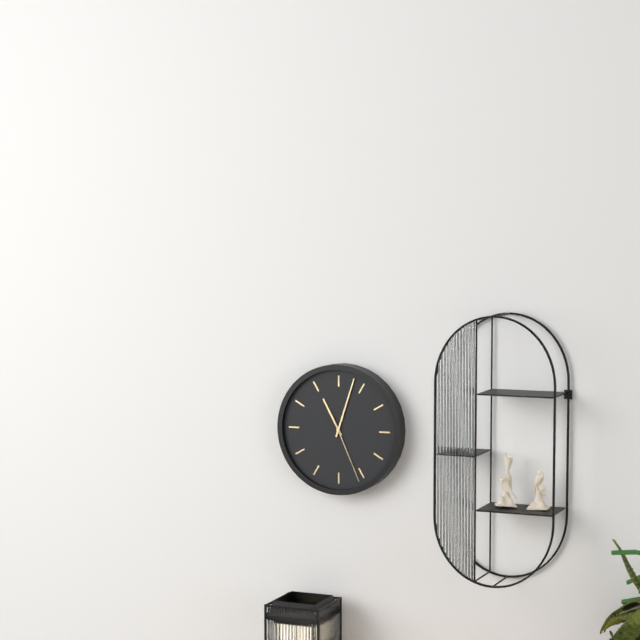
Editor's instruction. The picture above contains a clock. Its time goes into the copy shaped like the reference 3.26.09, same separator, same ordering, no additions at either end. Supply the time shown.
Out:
11.03.26
